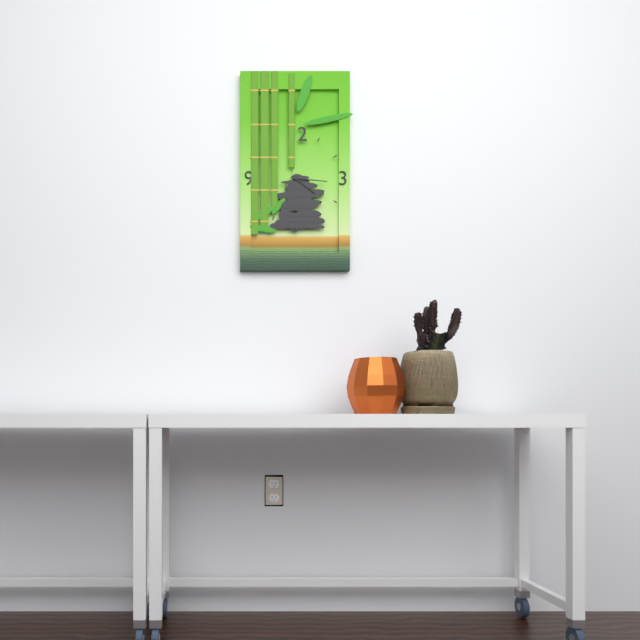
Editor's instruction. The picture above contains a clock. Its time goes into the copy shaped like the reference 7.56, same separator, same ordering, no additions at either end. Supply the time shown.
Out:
4.16
